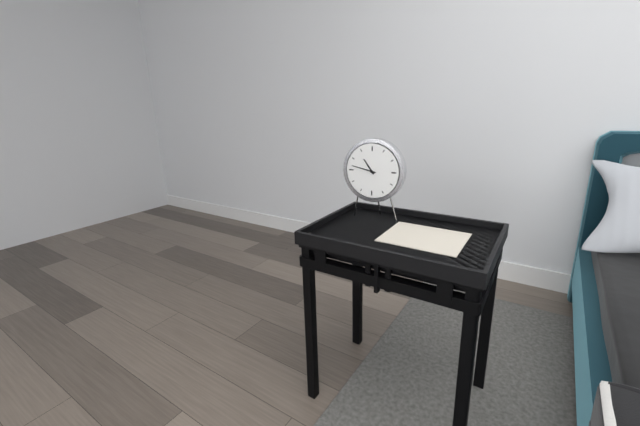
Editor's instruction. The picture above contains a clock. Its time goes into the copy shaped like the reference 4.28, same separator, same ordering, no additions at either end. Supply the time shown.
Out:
10.47
